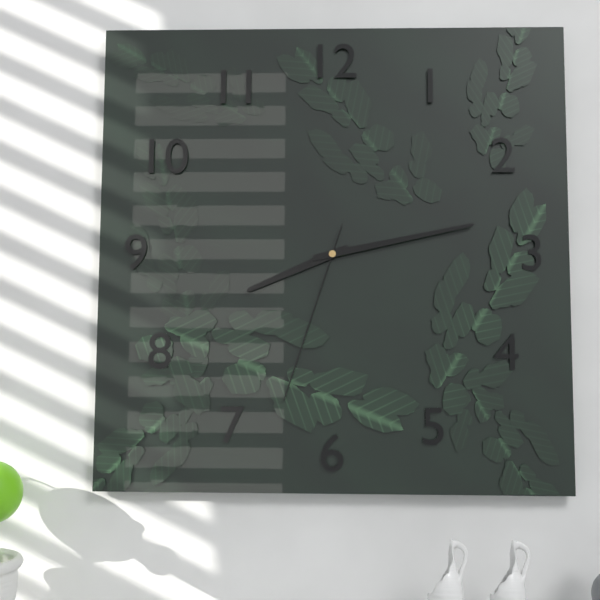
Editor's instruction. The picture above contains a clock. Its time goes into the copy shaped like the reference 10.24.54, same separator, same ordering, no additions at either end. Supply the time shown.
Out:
8.13.33
